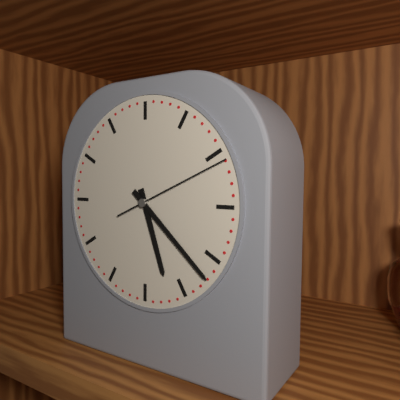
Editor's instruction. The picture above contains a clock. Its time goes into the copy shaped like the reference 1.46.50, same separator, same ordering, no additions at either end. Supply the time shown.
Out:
5.22.11
